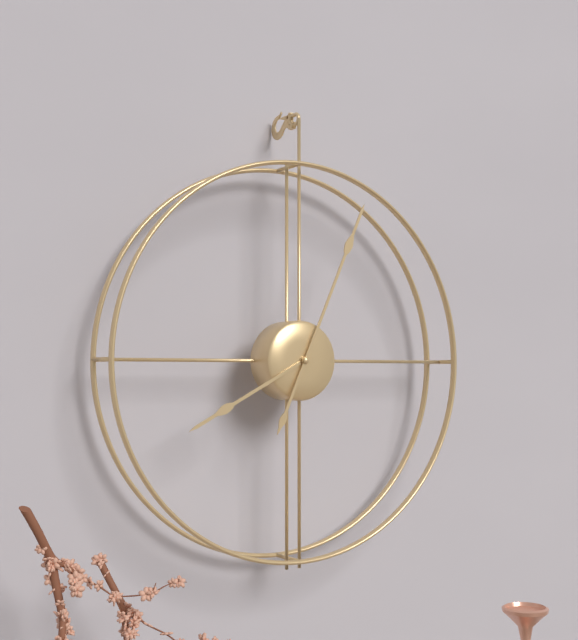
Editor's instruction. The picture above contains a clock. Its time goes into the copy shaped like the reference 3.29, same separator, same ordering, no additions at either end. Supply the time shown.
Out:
8.04
